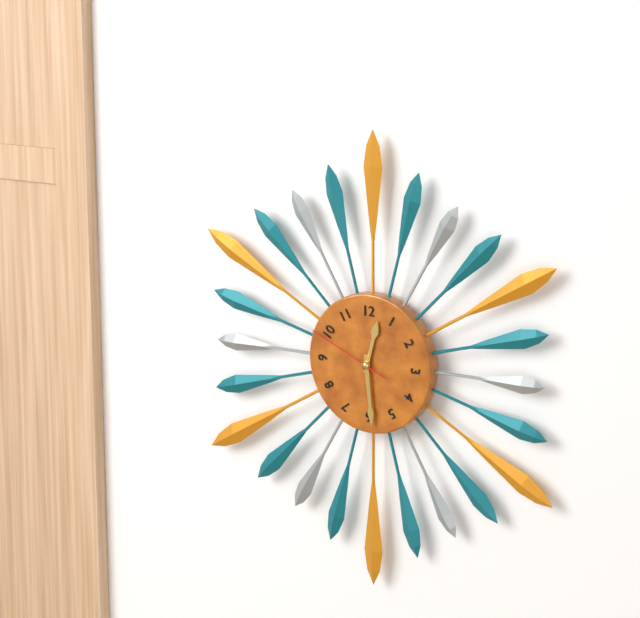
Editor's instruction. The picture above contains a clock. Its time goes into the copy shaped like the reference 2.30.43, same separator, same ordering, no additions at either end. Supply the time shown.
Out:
12.29.49
